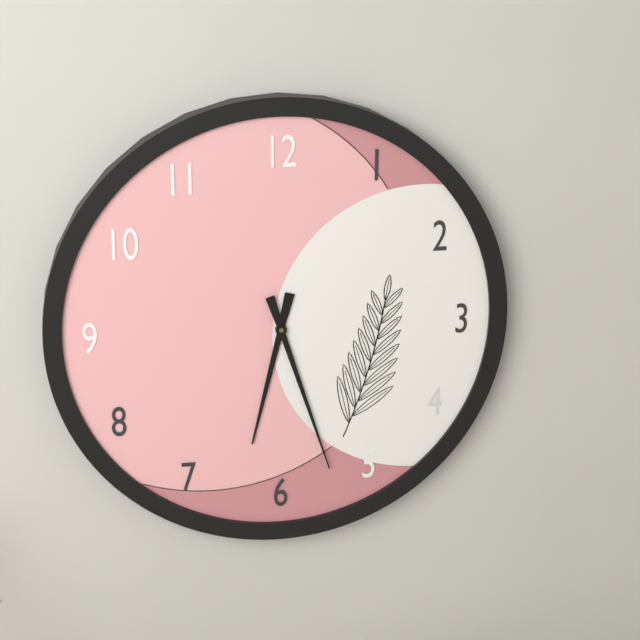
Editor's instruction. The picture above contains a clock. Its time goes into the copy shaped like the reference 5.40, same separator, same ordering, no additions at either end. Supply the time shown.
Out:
6.27
